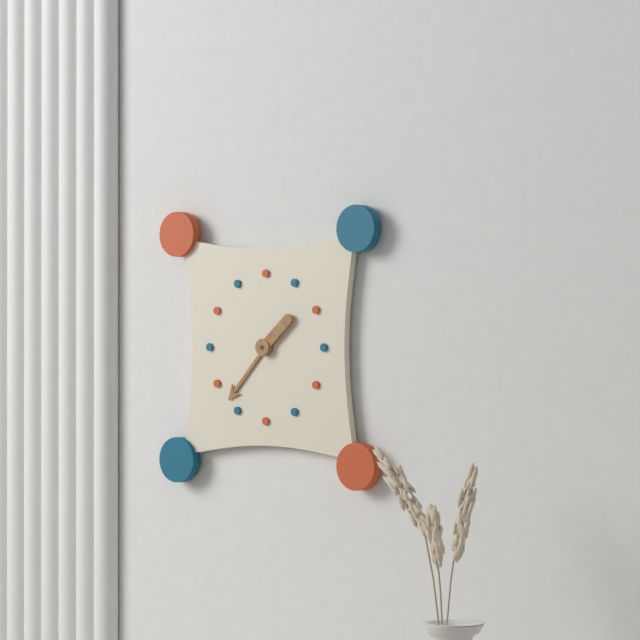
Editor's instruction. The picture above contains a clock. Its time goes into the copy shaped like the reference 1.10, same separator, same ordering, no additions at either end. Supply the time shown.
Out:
1.37
